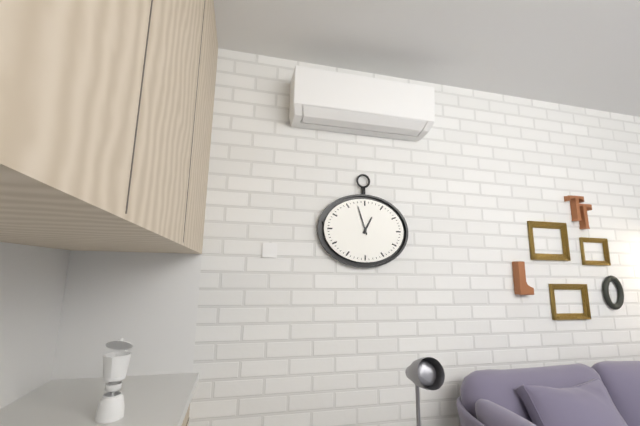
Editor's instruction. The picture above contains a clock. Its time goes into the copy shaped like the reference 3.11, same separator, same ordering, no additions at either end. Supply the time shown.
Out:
12.57
